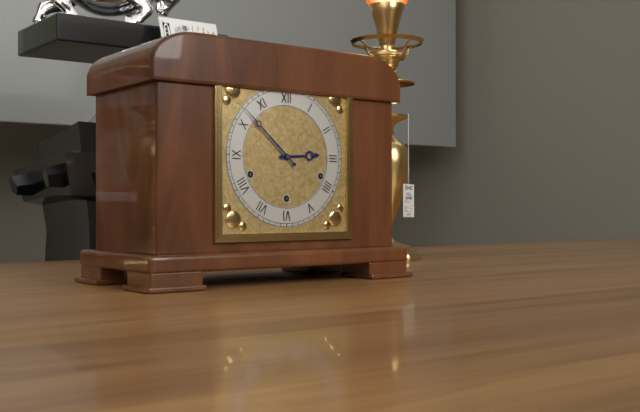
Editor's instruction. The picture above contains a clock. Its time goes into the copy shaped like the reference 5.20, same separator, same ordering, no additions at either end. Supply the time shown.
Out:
2.52
